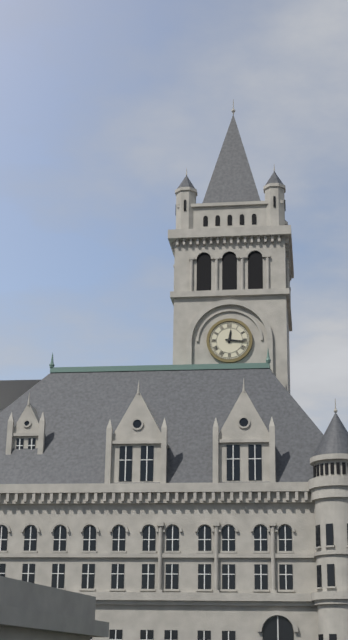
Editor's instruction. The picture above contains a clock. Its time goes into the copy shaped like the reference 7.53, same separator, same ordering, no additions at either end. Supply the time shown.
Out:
12.16
